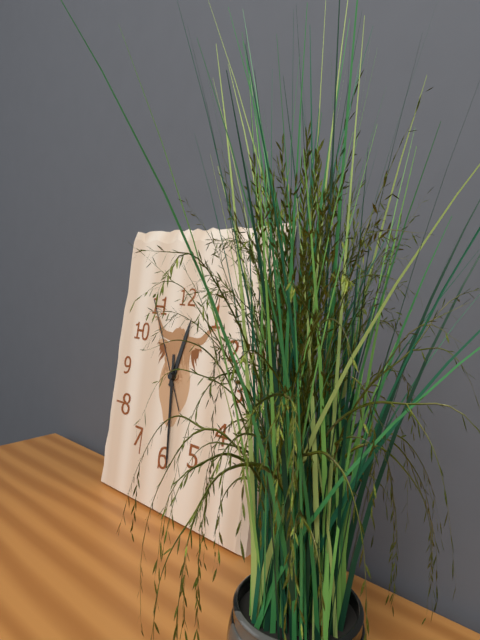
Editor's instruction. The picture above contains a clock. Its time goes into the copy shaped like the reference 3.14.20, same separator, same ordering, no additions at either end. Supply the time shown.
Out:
12.29.55
